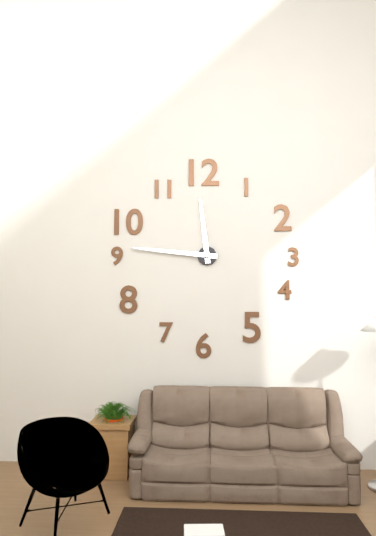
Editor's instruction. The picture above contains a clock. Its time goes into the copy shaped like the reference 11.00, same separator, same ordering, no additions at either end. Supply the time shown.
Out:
11.46
